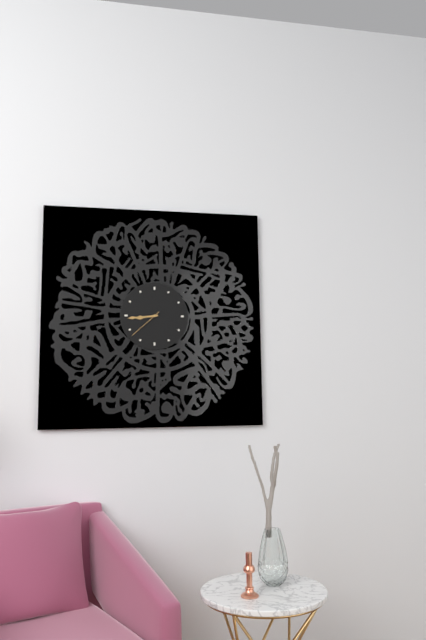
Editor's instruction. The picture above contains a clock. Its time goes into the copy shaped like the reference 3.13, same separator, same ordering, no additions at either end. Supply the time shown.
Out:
8.44
